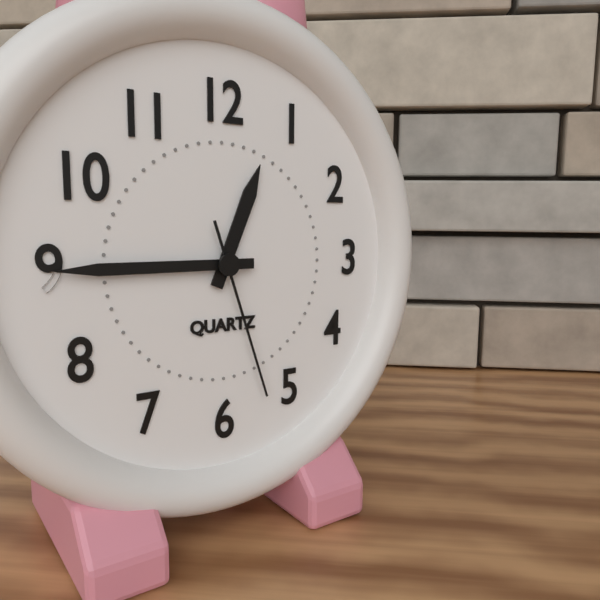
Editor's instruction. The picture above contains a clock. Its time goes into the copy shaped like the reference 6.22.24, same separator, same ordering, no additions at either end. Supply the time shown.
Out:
12.45.27
